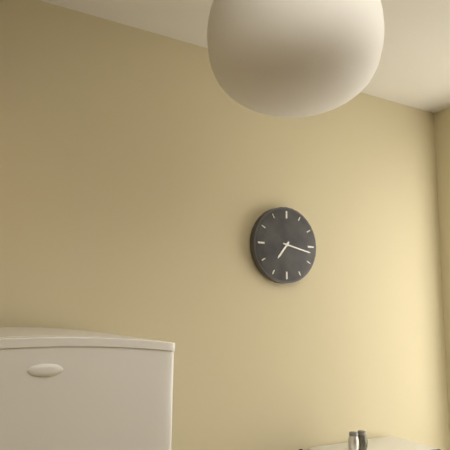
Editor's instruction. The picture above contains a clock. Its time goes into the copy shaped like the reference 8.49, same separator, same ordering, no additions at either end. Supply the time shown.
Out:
7.17
